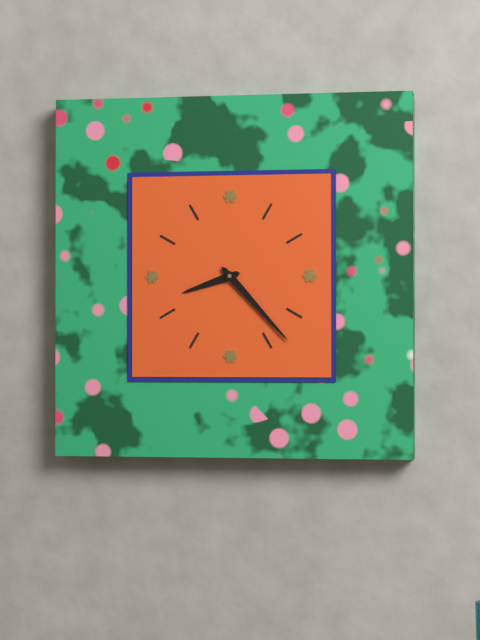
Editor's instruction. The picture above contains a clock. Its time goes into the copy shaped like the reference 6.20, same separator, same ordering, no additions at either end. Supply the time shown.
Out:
8.23
